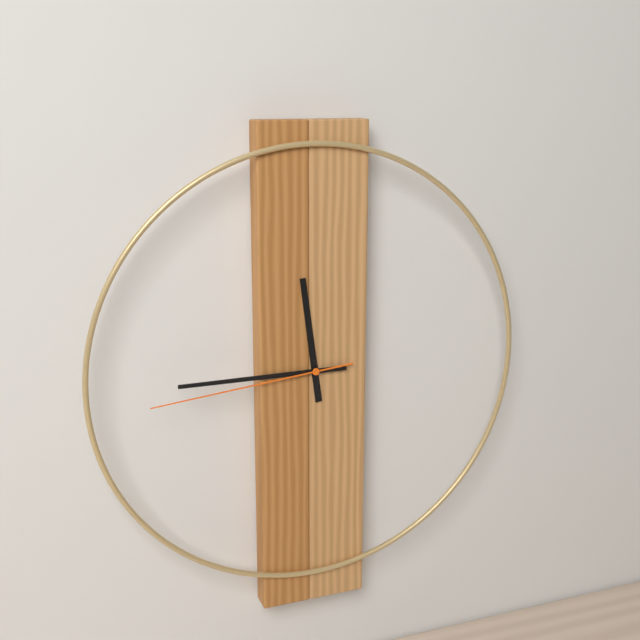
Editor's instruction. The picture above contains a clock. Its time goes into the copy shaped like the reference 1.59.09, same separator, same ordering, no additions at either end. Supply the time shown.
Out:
11.45.44
